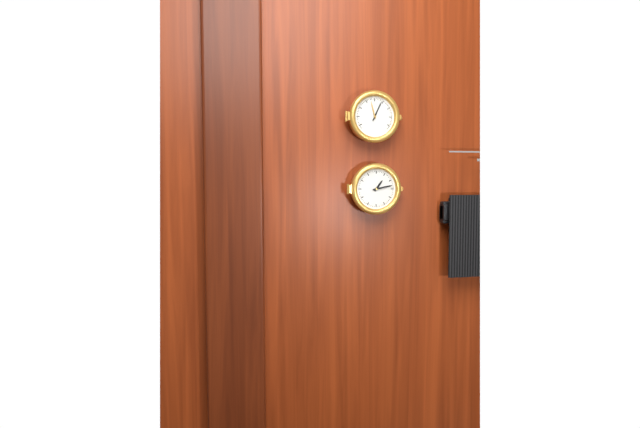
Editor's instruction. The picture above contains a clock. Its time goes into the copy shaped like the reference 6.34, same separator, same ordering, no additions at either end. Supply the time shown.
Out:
1.13
